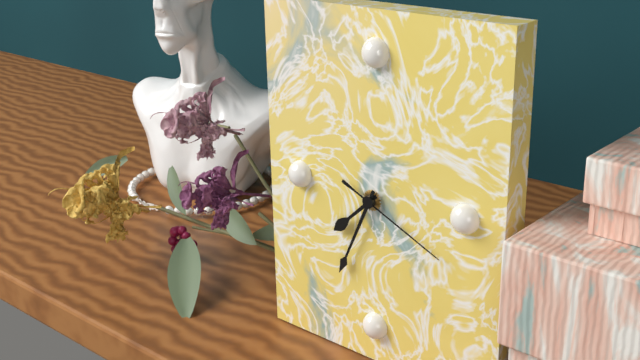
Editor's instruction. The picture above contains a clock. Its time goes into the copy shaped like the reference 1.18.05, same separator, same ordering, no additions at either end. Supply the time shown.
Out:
7.34.19
